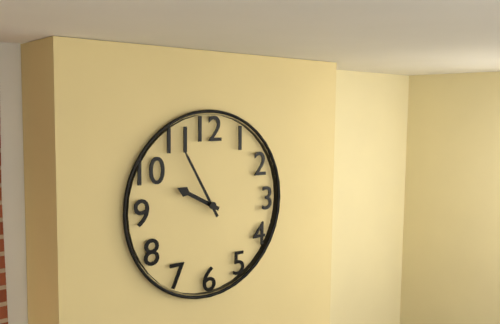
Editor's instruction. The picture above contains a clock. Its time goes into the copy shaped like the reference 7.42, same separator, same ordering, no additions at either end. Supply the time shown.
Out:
9.55
